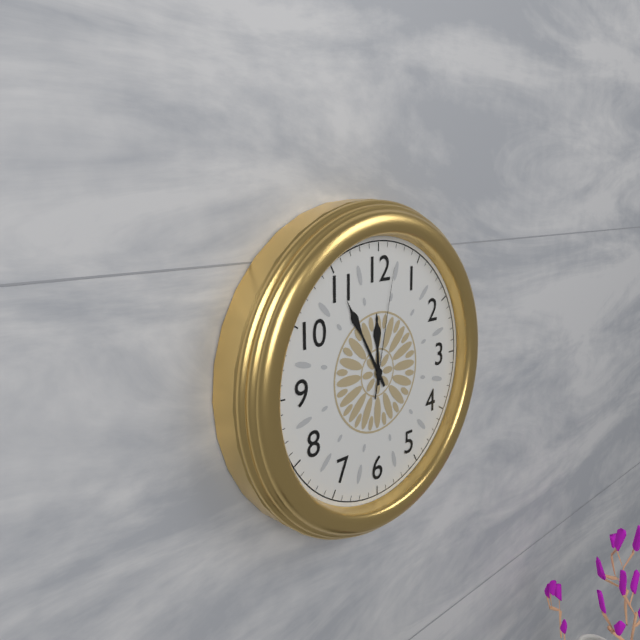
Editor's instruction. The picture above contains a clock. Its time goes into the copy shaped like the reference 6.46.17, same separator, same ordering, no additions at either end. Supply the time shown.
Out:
11.55.02
